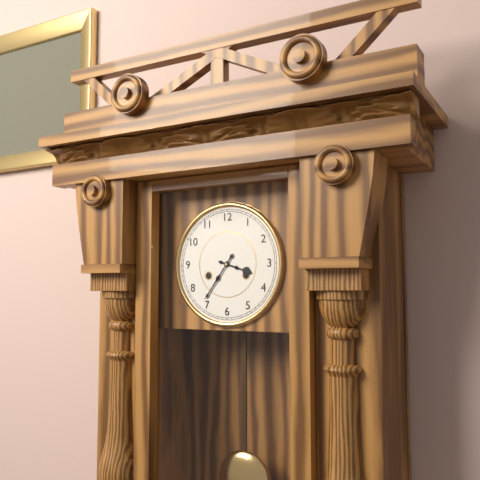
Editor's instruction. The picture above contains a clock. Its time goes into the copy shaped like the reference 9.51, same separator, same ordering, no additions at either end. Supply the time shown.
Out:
3.36
